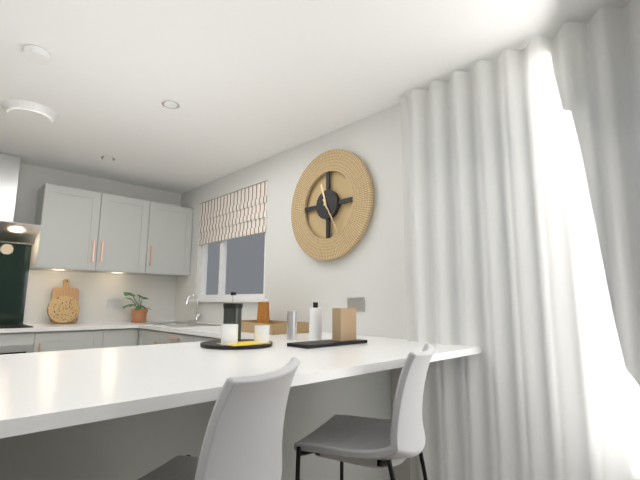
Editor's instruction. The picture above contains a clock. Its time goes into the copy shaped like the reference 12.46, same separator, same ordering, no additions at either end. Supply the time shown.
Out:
11.25
